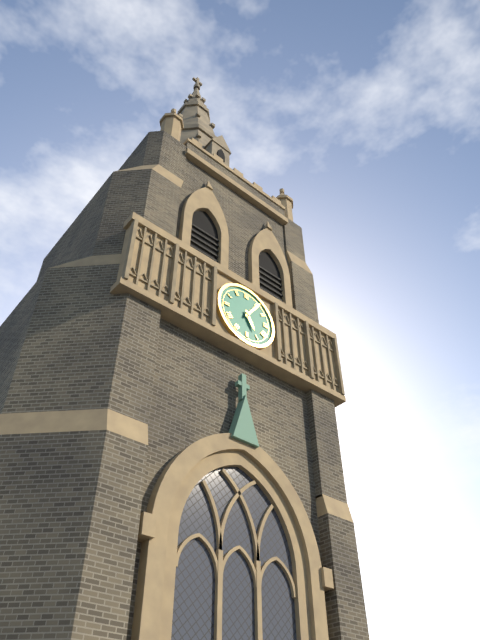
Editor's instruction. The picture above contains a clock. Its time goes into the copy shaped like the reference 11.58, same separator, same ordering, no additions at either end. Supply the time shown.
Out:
5.06
